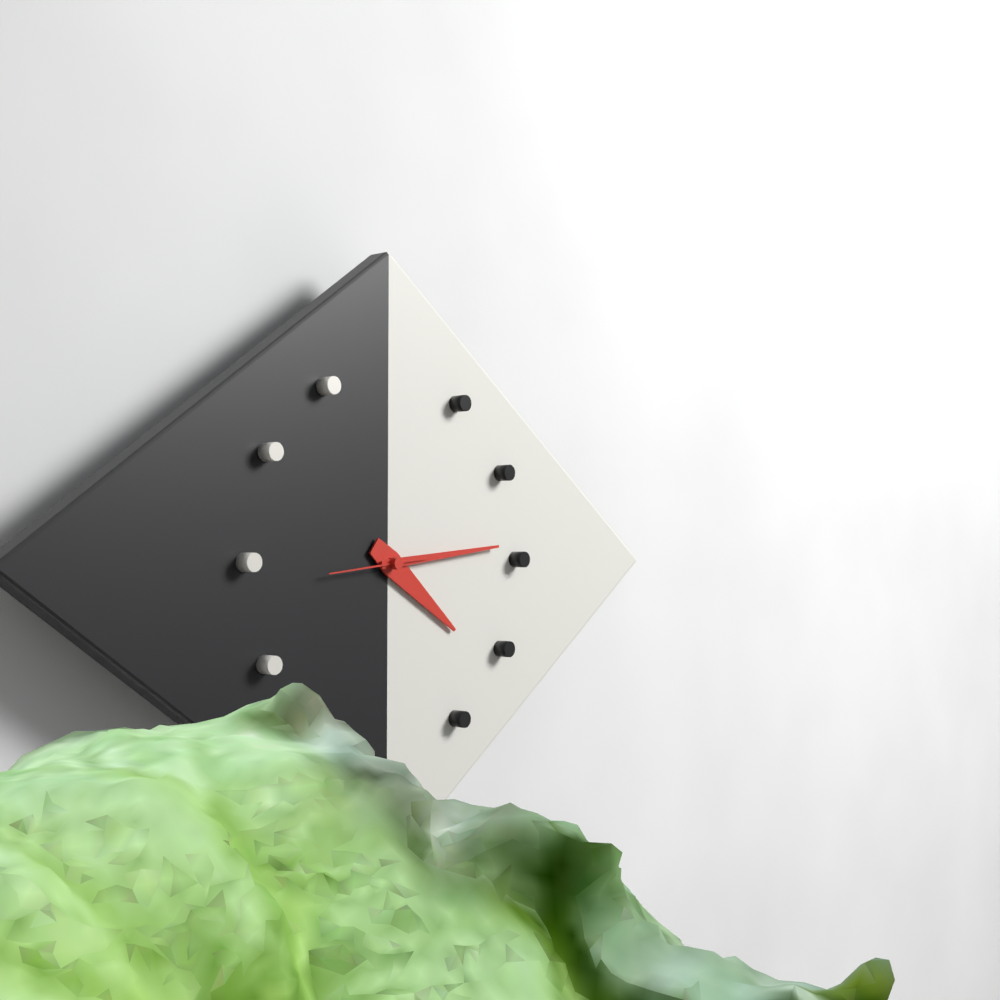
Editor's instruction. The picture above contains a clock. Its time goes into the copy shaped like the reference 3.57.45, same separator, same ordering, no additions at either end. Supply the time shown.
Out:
4.14.44
